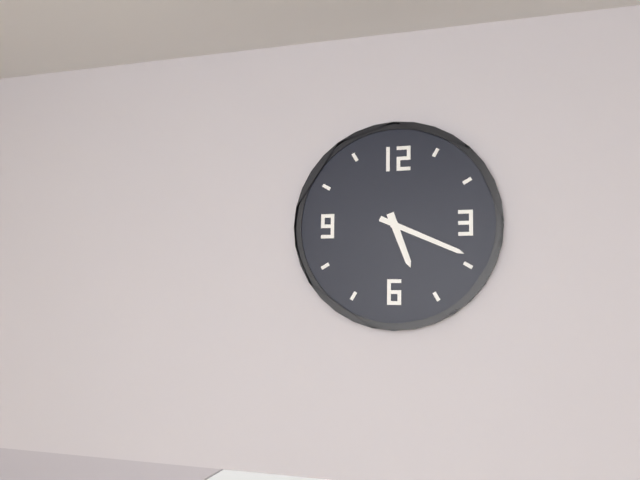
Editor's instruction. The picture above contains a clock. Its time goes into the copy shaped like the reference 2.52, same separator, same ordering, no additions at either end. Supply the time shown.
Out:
5.19
